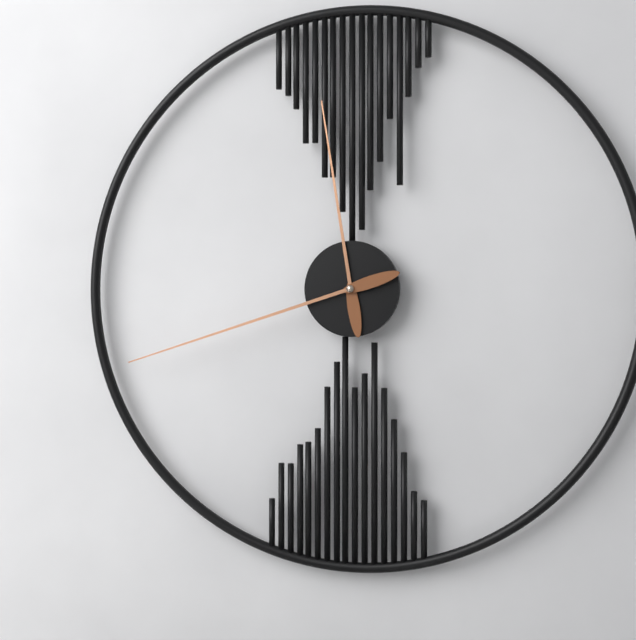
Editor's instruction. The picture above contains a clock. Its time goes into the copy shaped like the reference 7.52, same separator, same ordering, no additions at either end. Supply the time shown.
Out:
11.42
